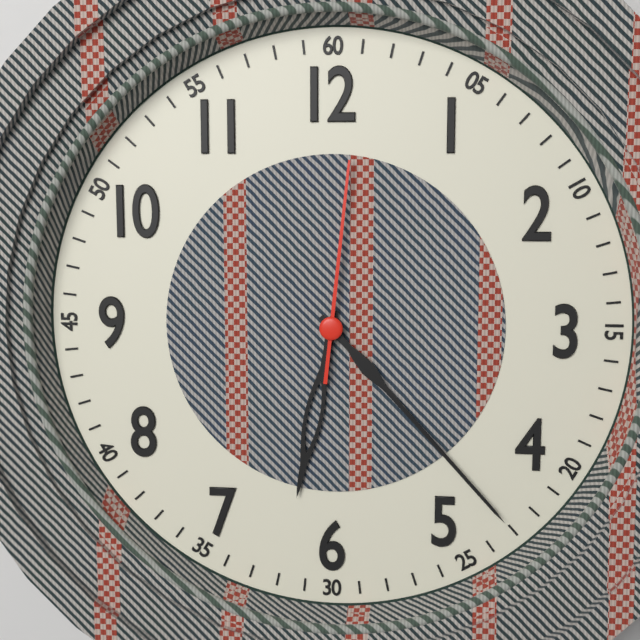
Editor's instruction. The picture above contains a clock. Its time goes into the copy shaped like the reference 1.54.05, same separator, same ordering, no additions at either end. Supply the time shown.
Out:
6.23.01
